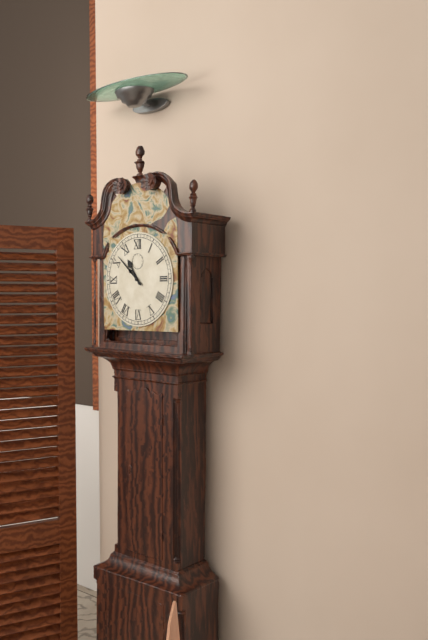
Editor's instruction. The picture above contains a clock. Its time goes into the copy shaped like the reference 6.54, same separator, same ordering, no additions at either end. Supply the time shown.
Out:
10.52
